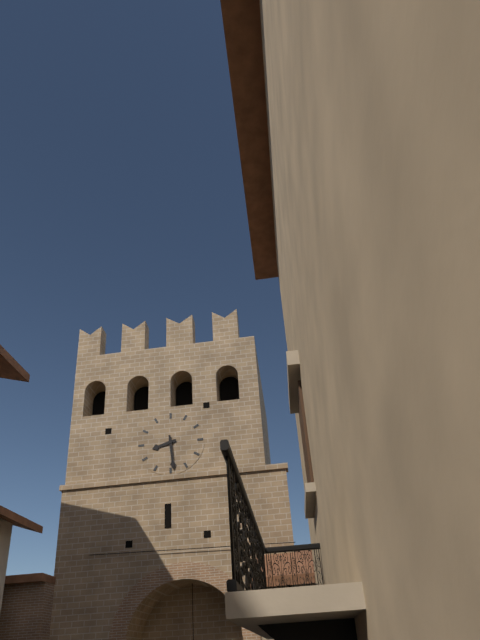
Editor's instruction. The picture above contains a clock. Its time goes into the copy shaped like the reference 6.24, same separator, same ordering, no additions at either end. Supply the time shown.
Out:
8.29
